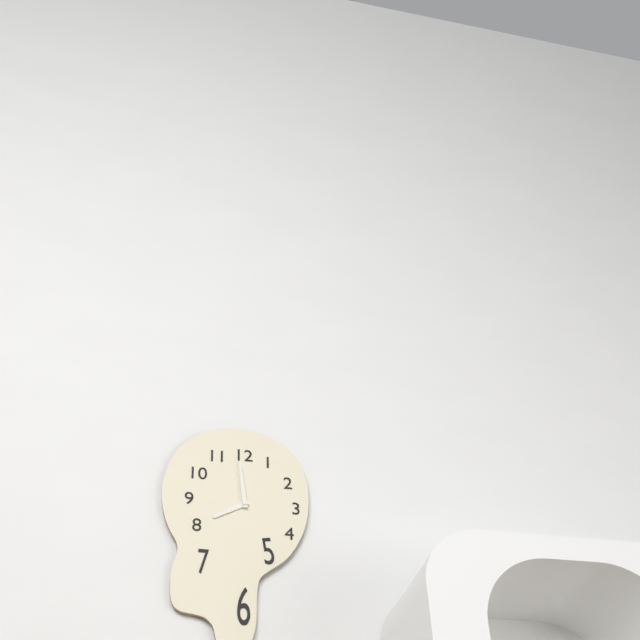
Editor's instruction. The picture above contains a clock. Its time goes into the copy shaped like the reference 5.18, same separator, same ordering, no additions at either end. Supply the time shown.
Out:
7.59
